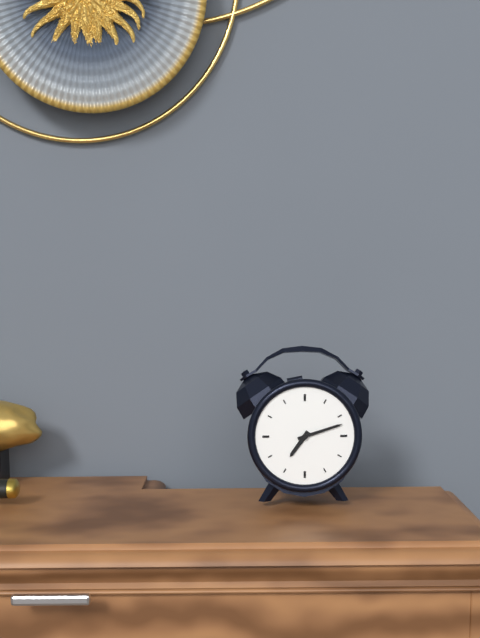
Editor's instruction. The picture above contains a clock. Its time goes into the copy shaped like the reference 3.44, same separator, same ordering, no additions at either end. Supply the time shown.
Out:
7.12
